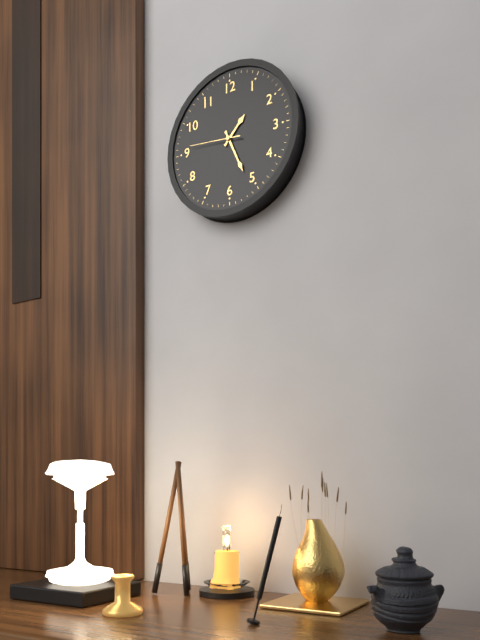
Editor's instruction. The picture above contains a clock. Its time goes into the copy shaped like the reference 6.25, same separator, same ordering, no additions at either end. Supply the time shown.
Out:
1.26
